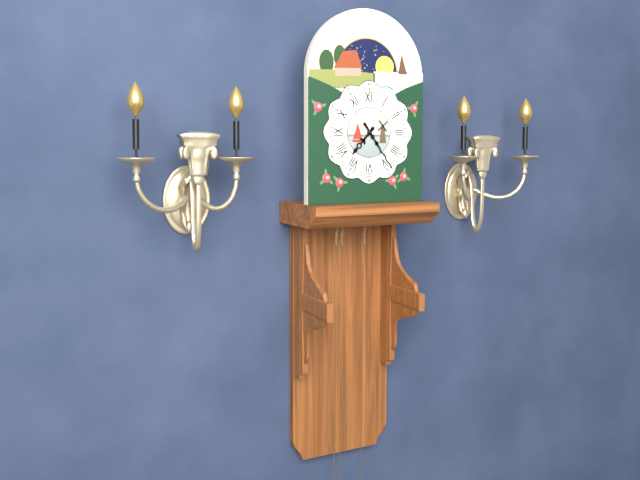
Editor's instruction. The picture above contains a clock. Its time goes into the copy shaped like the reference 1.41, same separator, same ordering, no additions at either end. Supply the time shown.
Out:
7.24
